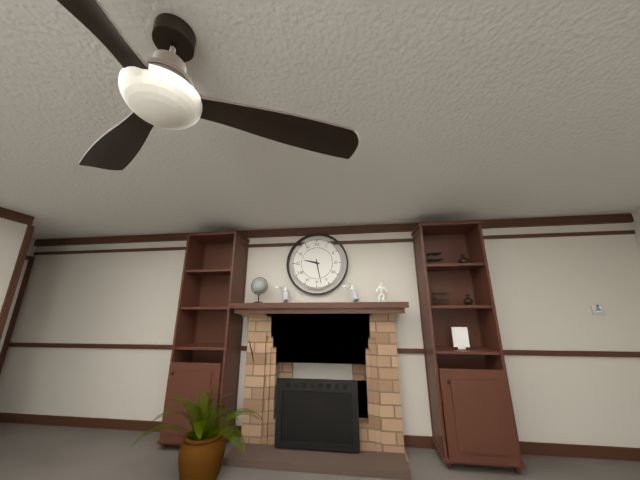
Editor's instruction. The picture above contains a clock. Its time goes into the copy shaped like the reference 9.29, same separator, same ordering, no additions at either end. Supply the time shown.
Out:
9.28
